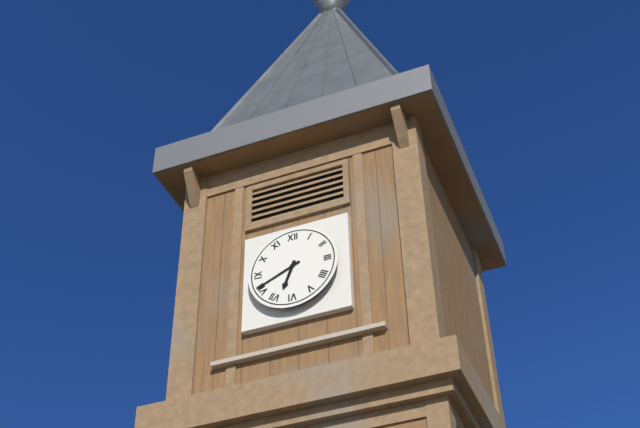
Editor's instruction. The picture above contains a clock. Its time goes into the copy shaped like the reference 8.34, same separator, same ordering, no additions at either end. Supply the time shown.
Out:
6.41
